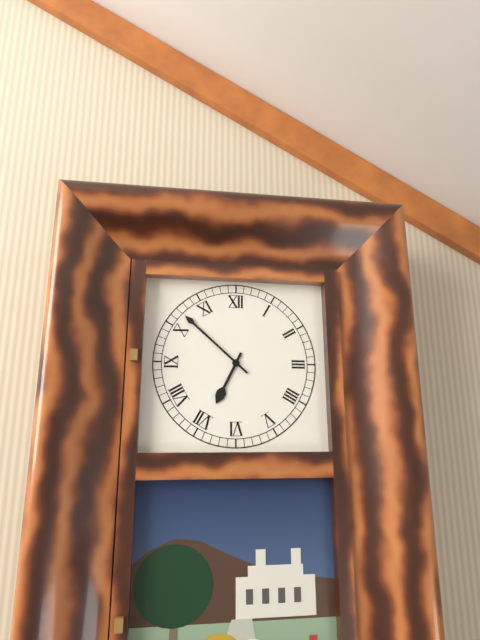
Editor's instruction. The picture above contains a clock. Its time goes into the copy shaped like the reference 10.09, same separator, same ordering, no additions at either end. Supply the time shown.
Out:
6.52
